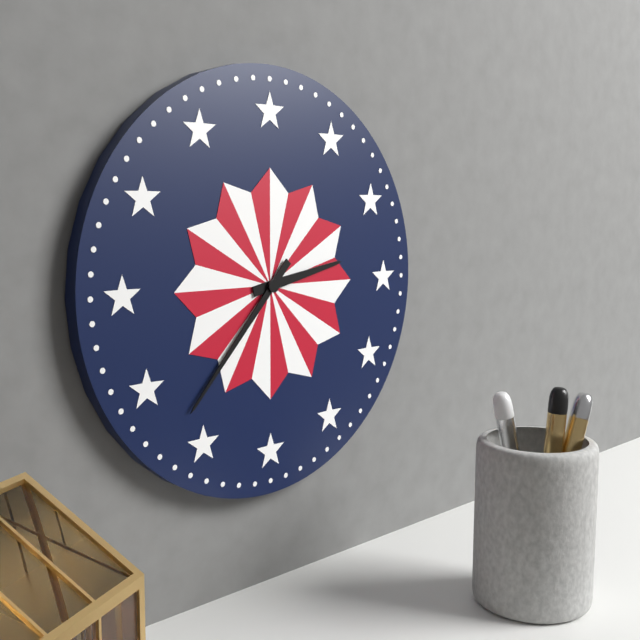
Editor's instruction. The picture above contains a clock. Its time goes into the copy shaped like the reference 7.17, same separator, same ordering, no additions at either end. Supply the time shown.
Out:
2.37
